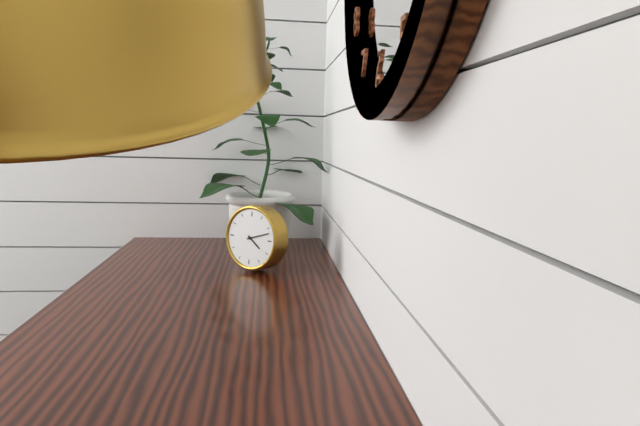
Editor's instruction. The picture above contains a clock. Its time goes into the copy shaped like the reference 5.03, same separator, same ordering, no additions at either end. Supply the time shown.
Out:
4.12
